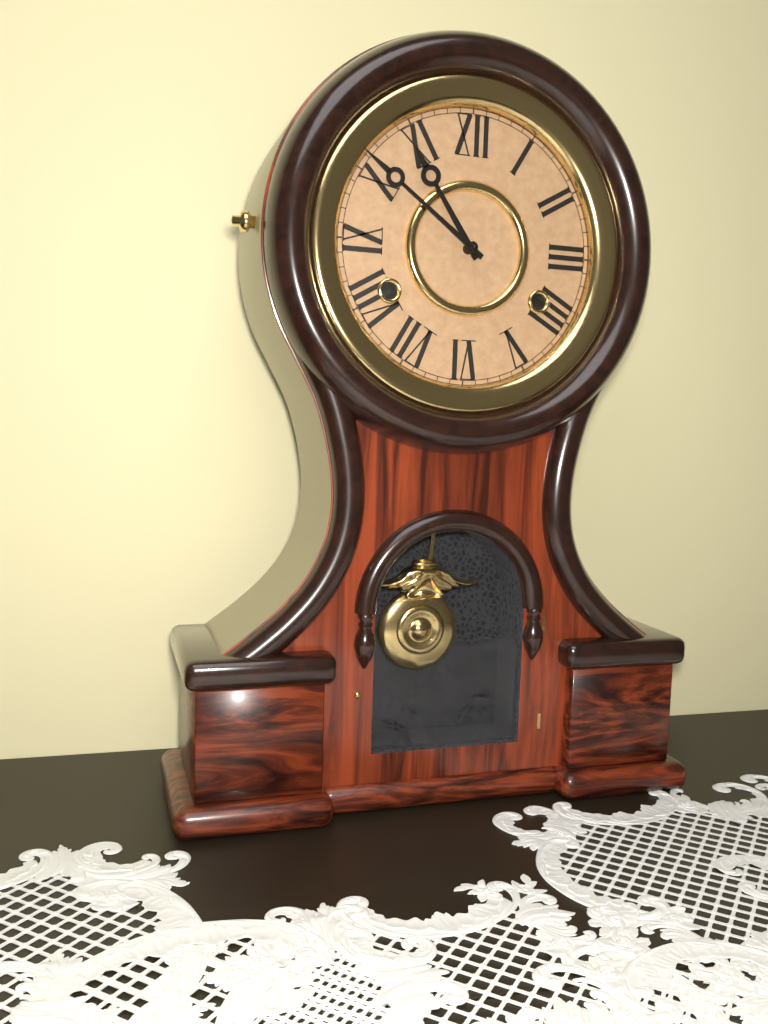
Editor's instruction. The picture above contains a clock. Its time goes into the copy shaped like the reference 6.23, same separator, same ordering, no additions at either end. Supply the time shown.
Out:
10.51
